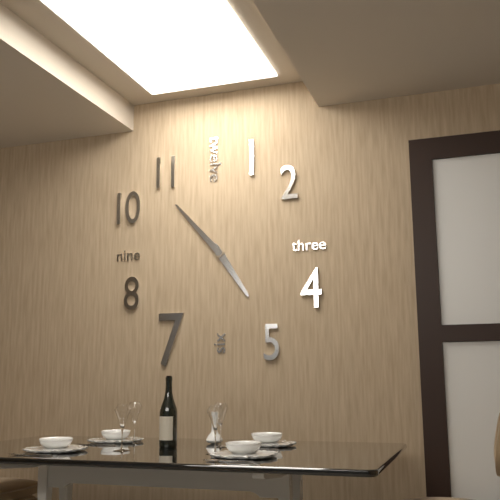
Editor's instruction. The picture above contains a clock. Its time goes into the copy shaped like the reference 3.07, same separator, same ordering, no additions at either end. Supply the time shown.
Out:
4.53
